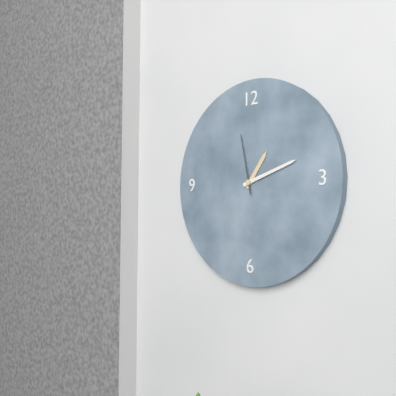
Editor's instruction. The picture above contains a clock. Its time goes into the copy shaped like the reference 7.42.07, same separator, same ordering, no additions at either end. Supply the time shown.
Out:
1.12.58
